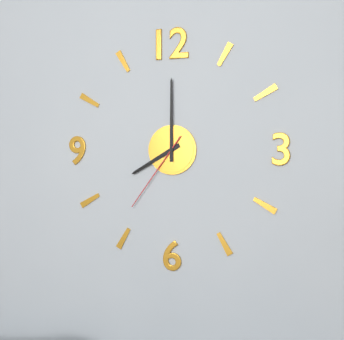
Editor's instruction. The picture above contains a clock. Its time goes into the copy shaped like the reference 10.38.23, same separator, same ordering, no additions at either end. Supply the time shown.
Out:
8.00.36
